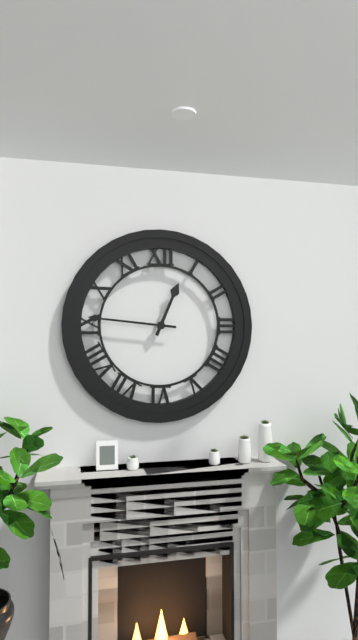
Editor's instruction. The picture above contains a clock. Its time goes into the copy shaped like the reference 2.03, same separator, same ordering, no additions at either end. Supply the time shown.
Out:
12.46
